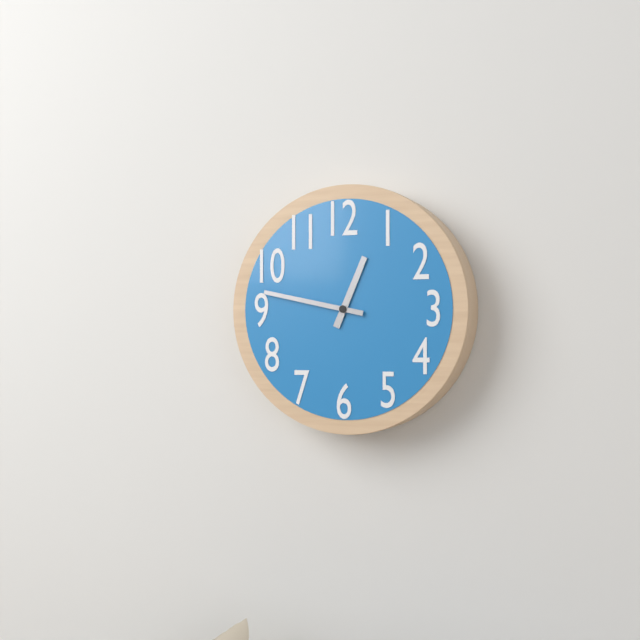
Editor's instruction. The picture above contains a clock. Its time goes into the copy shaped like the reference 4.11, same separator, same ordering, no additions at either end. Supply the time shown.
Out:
12.47
